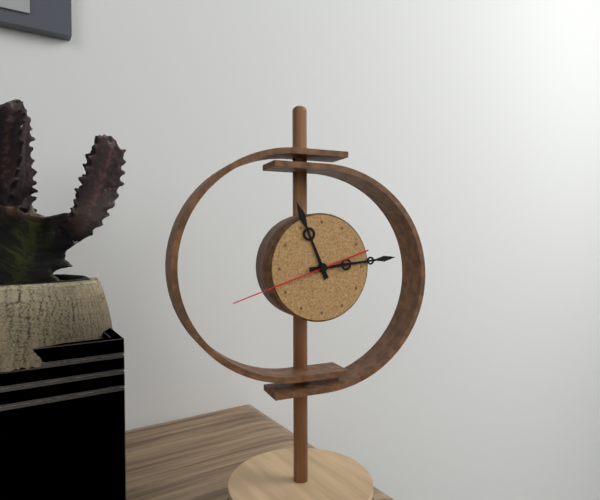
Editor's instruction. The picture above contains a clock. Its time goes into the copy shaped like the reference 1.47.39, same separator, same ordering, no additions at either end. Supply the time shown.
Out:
11.14.42
